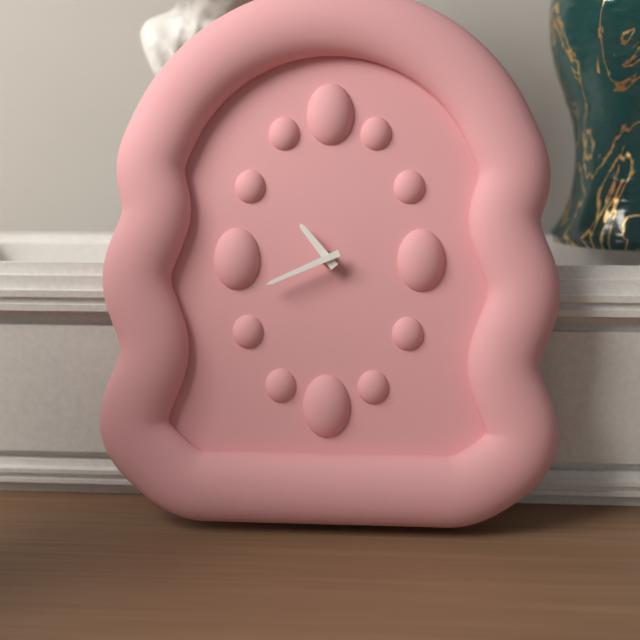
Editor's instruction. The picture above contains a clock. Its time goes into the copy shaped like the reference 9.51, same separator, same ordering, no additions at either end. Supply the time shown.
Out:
10.41
